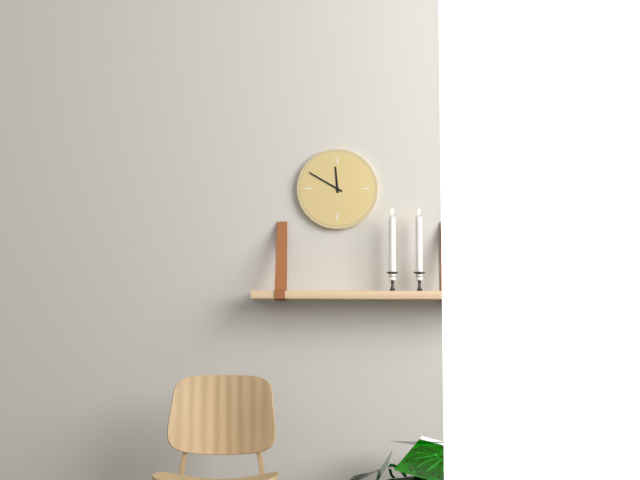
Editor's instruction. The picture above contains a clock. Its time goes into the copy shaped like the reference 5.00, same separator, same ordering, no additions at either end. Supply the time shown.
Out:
11.50
